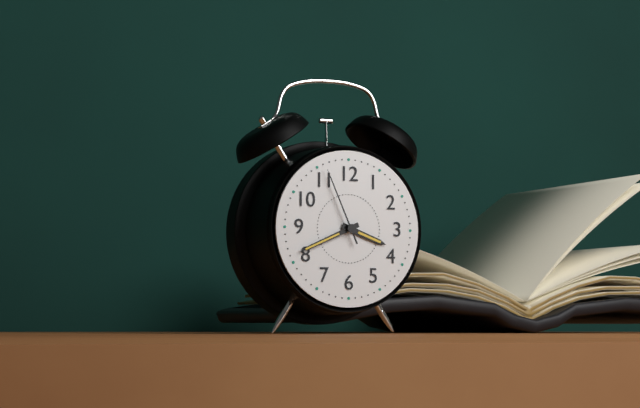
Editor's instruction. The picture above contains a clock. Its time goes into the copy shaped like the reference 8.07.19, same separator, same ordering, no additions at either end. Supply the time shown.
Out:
3.41.56
